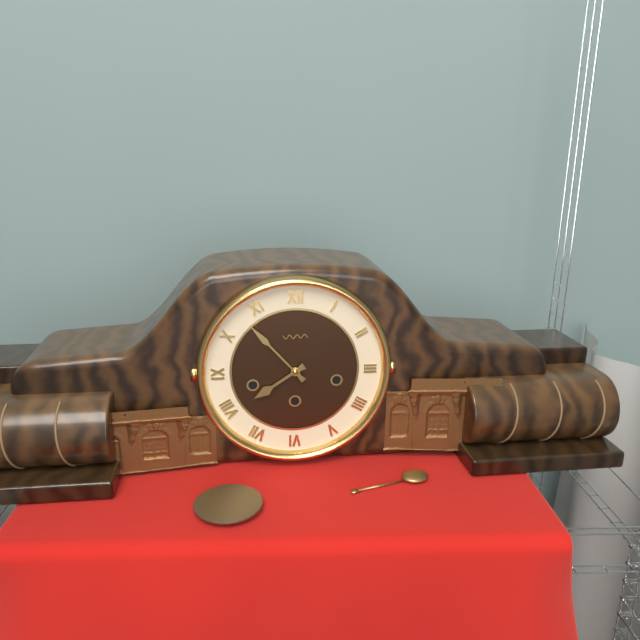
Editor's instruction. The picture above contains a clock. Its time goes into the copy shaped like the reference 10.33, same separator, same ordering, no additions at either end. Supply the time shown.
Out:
7.53
